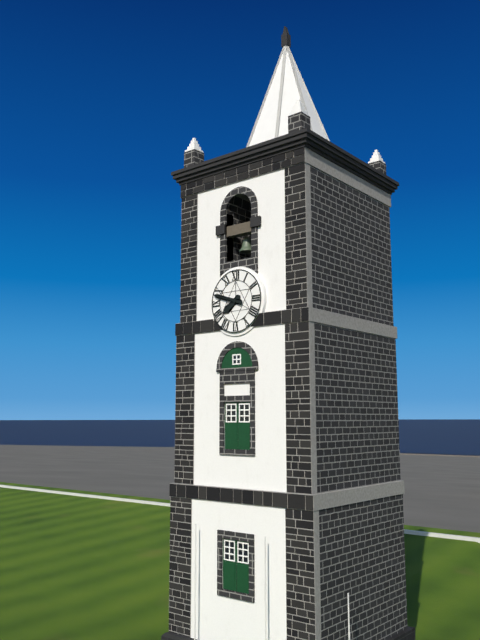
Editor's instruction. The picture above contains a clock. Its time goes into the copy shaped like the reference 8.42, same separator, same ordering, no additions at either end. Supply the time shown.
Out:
7.48
